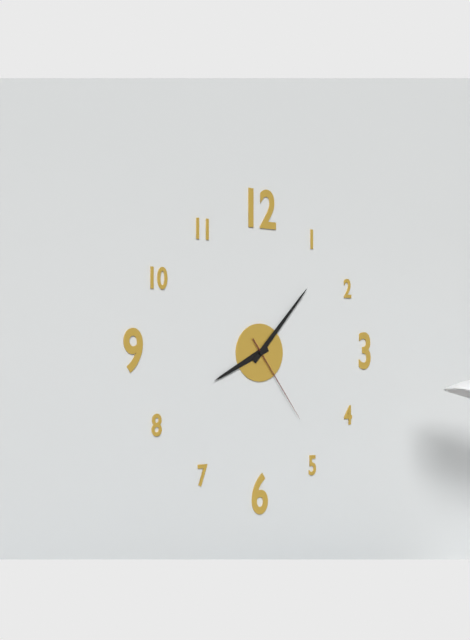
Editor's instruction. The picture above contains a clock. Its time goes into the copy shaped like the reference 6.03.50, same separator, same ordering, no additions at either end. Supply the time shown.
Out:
8.07.24
